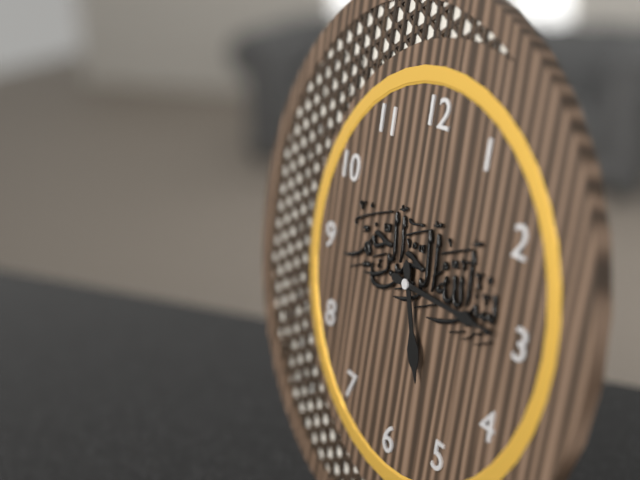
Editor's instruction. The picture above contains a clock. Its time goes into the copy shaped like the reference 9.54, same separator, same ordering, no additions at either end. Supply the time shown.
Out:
5.15
